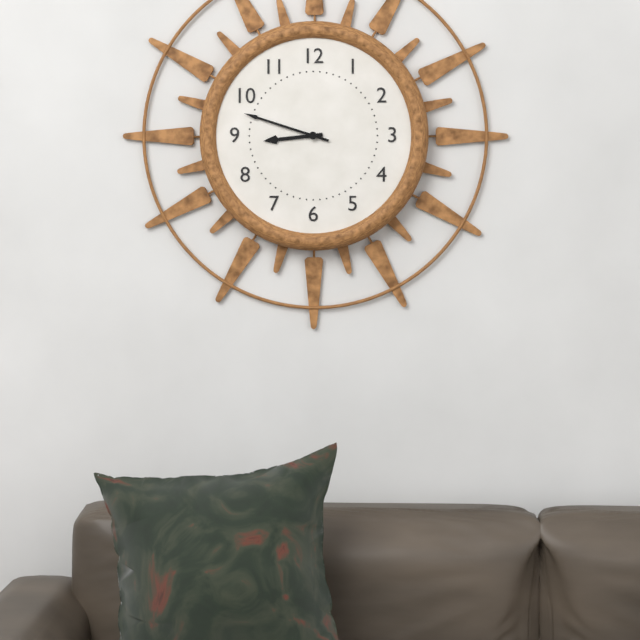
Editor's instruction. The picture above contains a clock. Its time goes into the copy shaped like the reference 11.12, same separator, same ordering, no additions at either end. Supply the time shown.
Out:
8.48
